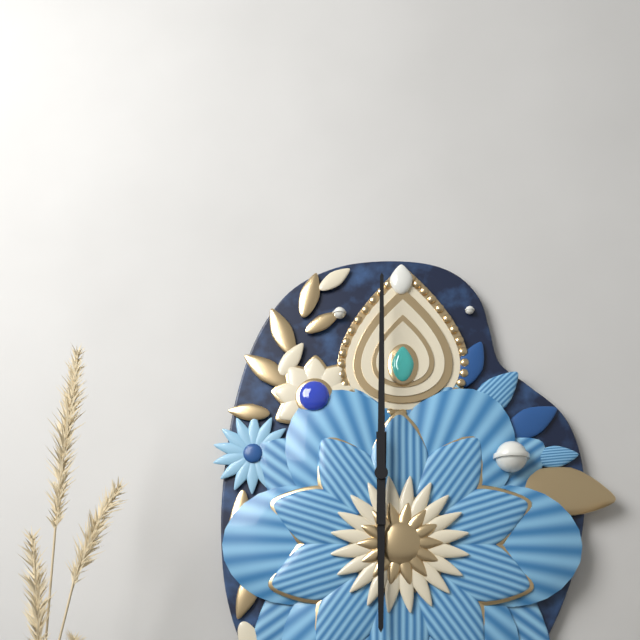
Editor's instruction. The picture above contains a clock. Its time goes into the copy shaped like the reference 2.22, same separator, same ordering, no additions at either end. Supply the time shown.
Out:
6.00
